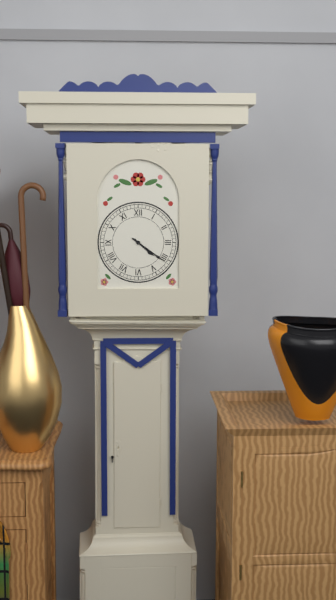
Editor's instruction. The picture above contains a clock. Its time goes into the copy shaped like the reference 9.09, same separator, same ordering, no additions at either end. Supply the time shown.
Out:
4.21
